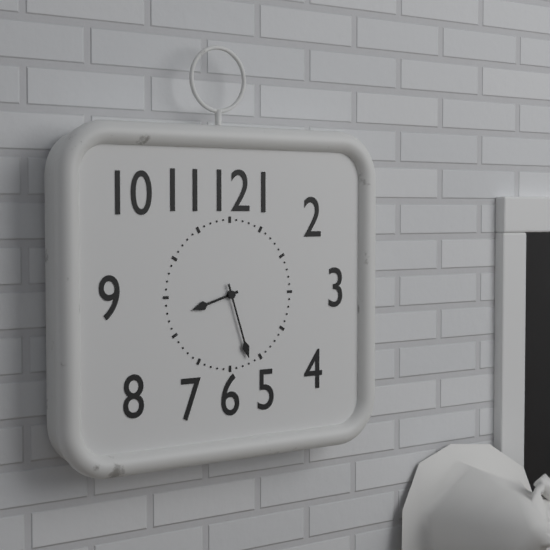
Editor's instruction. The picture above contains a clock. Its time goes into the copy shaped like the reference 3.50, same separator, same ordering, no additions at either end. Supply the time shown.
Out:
8.27
